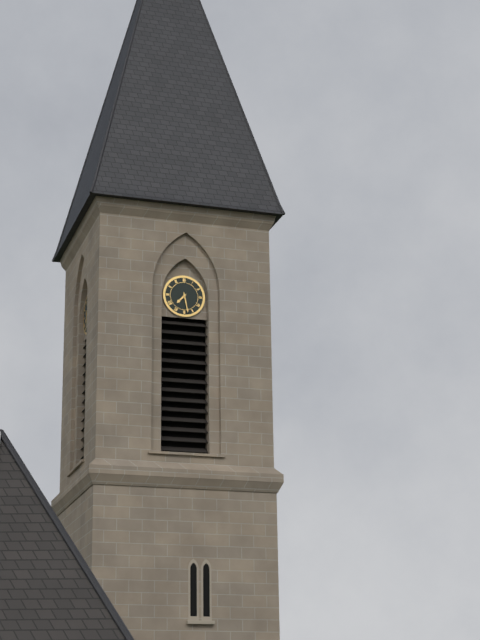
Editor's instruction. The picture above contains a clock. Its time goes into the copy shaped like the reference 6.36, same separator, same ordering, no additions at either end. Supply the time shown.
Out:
7.28
